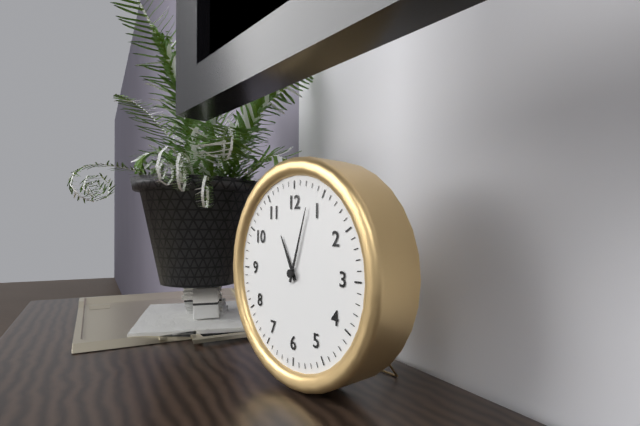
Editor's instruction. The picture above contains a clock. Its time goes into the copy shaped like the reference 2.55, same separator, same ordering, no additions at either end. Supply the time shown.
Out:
11.03
